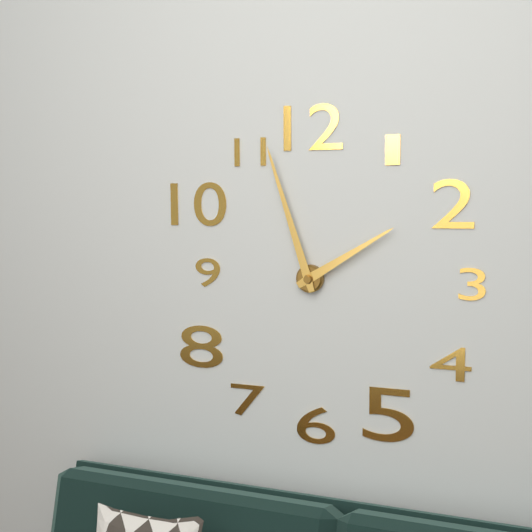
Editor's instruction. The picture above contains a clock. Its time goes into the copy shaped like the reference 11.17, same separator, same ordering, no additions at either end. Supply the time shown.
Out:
1.57
